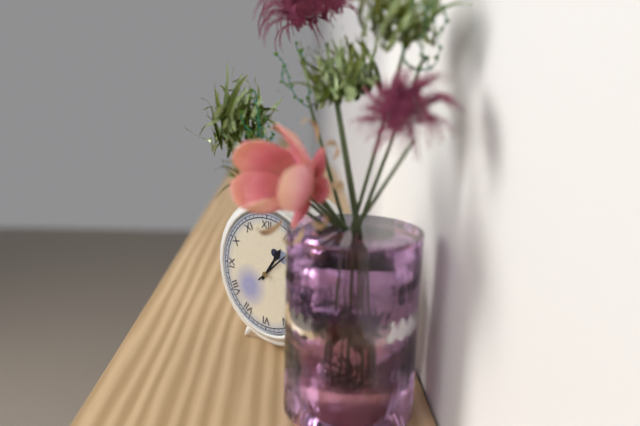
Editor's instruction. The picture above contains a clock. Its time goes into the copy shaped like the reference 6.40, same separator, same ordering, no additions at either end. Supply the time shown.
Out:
1.08
